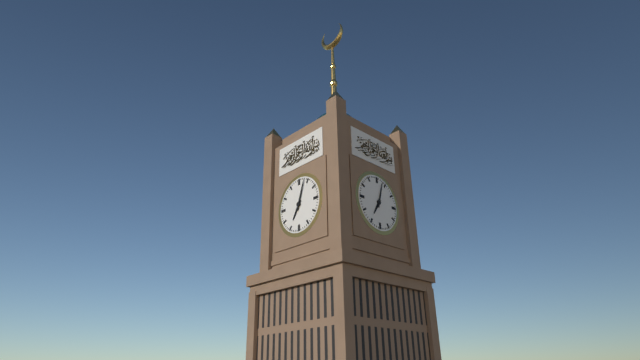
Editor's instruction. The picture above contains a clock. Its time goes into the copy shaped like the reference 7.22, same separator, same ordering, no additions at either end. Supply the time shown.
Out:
7.03
